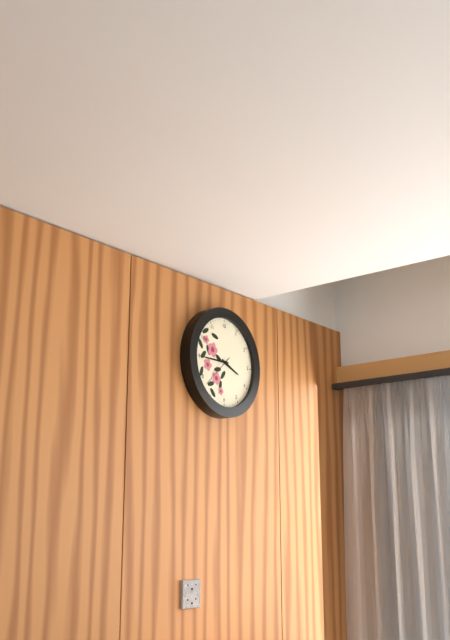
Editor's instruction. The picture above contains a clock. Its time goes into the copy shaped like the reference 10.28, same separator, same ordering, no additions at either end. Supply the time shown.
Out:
3.45
